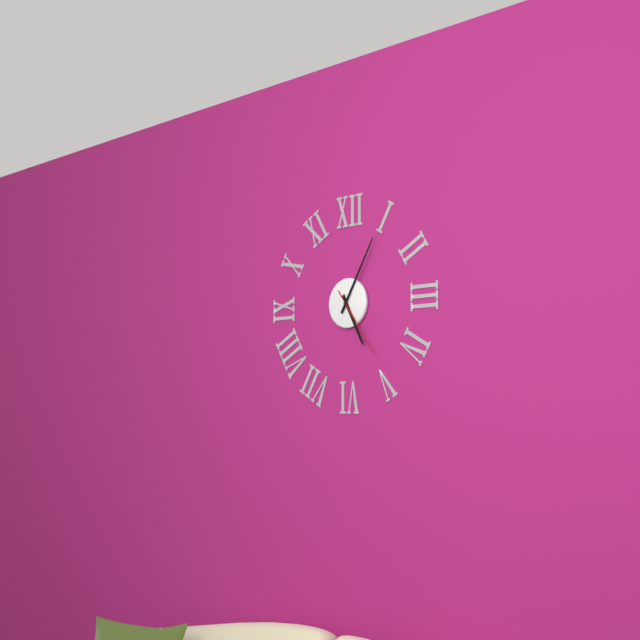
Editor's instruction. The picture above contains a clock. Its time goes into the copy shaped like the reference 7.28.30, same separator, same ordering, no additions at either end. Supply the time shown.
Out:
5.05.24
